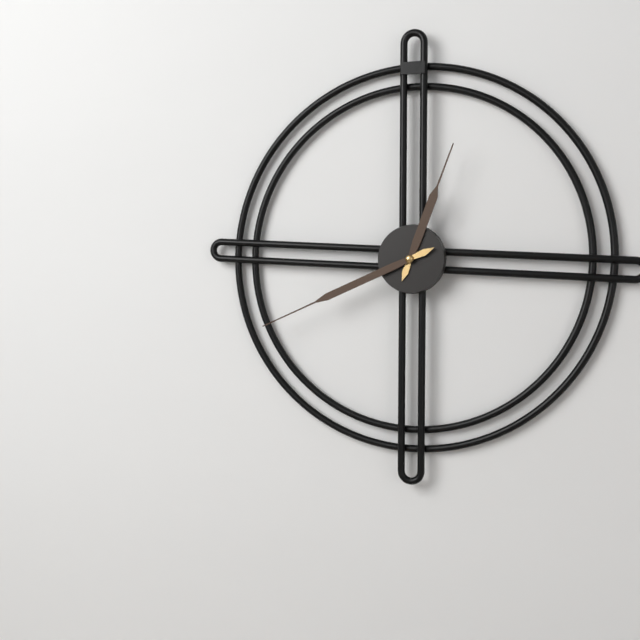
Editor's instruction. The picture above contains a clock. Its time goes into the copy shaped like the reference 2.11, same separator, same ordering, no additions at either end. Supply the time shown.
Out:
12.41
